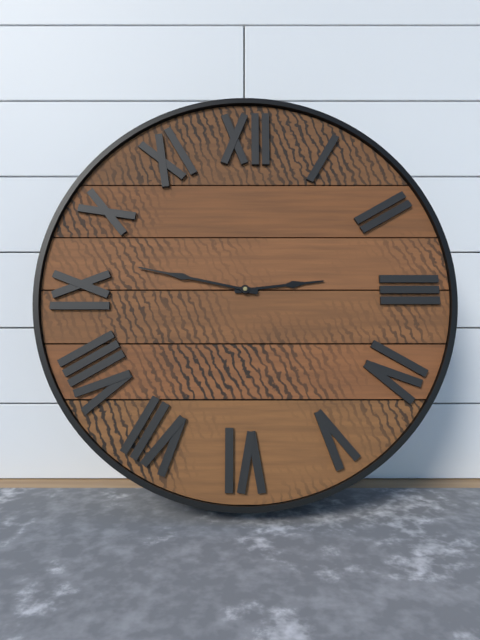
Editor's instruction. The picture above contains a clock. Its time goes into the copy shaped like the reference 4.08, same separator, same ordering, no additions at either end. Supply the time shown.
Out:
2.47
